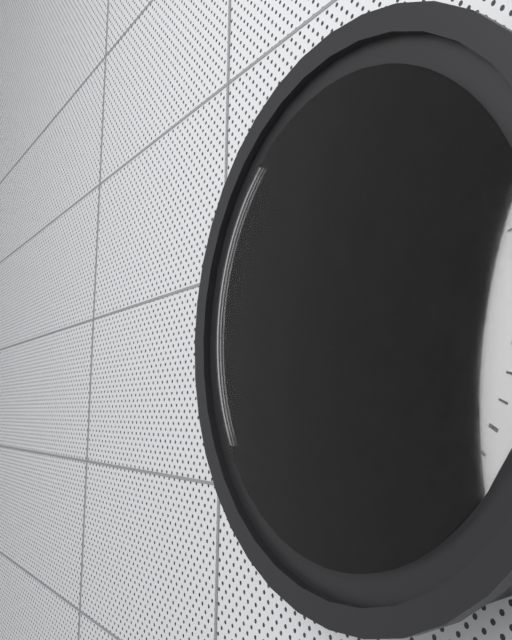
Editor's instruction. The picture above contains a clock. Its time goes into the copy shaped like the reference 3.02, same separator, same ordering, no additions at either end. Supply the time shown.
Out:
2.54
